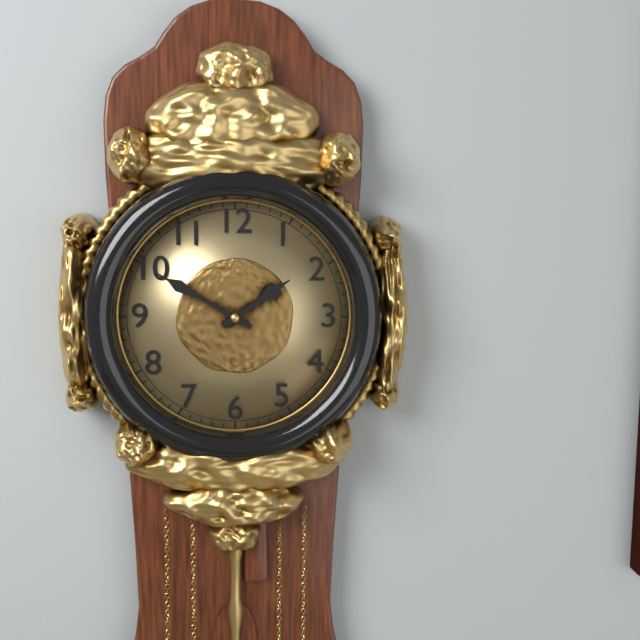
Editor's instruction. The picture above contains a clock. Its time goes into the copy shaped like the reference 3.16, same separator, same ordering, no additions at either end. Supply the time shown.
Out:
1.50
